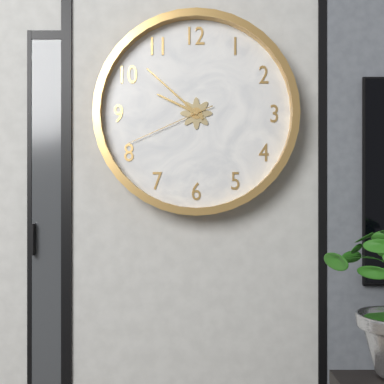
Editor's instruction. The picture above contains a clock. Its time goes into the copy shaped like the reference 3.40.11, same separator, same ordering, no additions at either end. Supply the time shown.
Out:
9.52.41
